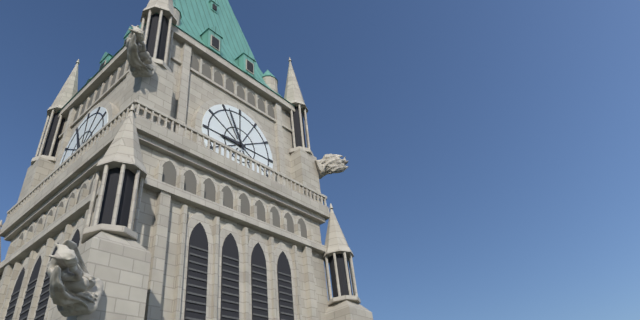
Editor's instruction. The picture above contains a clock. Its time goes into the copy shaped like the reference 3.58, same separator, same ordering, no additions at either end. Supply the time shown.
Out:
8.56
